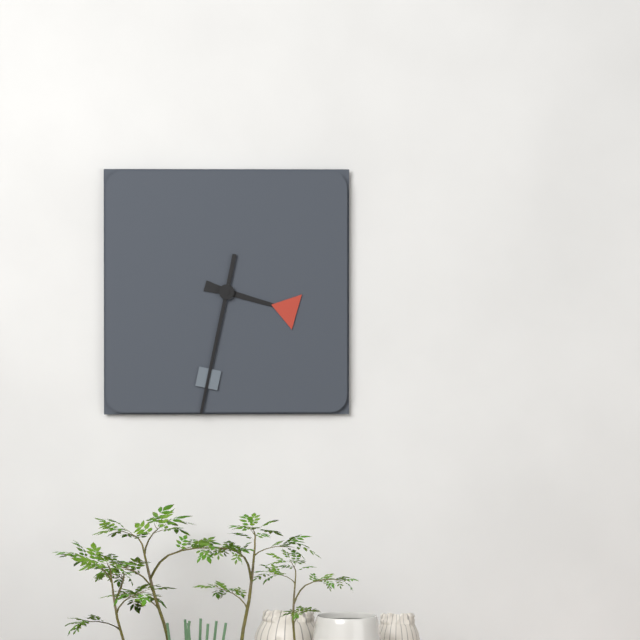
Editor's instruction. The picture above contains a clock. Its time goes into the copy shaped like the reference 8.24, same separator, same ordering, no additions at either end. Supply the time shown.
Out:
3.32
